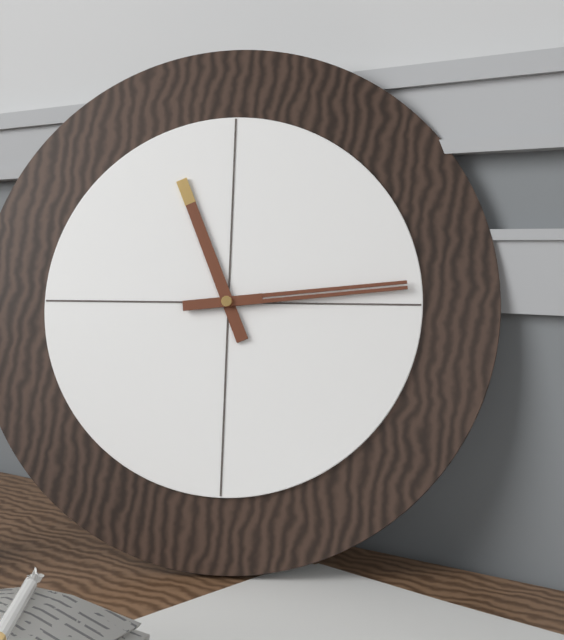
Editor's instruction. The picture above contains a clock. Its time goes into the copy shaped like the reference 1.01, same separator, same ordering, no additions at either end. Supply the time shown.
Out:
11.14
